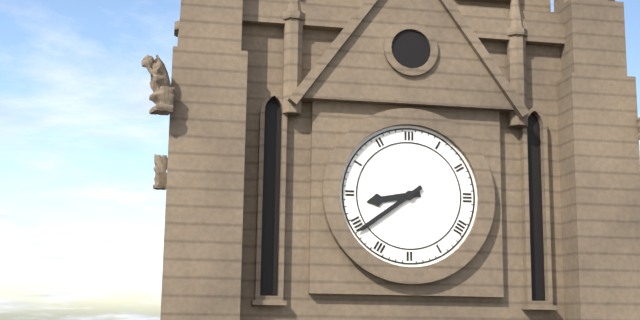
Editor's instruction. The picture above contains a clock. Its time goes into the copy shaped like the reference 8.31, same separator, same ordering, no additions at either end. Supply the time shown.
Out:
8.39
